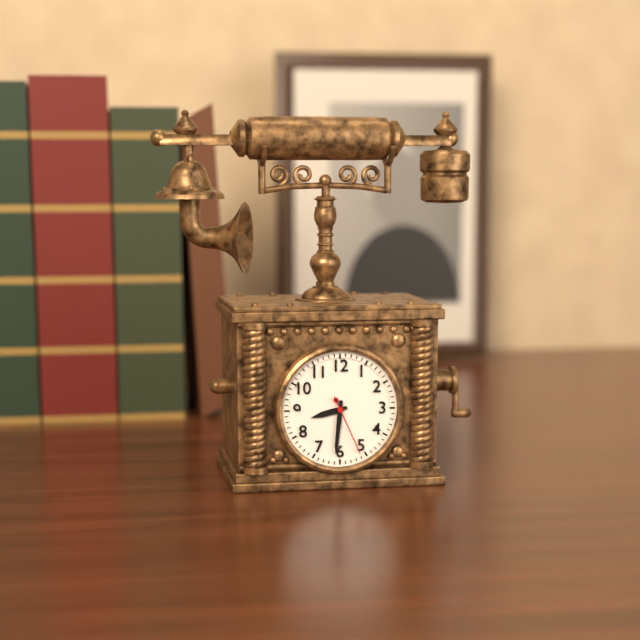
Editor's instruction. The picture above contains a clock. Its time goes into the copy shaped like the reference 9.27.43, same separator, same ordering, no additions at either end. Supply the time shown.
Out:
8.31.26
